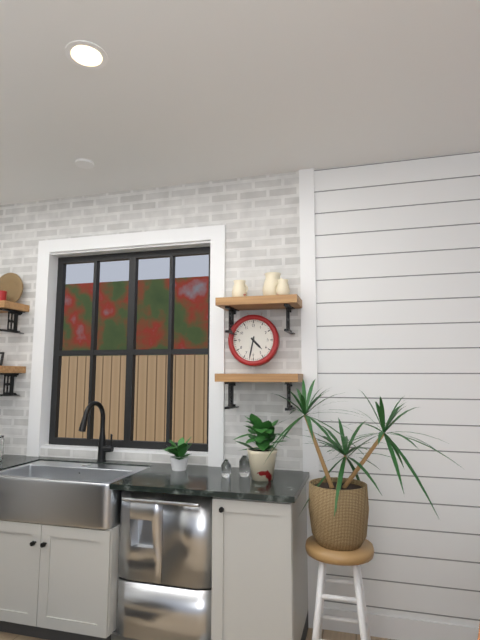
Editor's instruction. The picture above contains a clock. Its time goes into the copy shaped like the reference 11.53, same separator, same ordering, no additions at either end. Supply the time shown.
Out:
4.32
